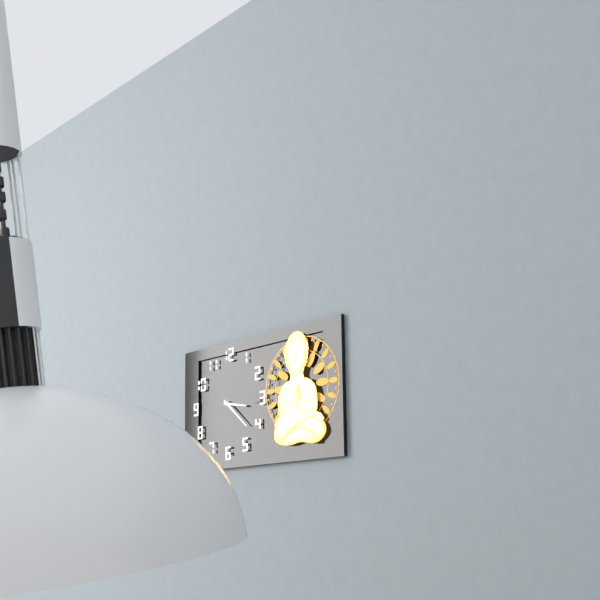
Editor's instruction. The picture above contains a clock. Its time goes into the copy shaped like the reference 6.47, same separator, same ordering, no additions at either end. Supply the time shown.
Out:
3.22
